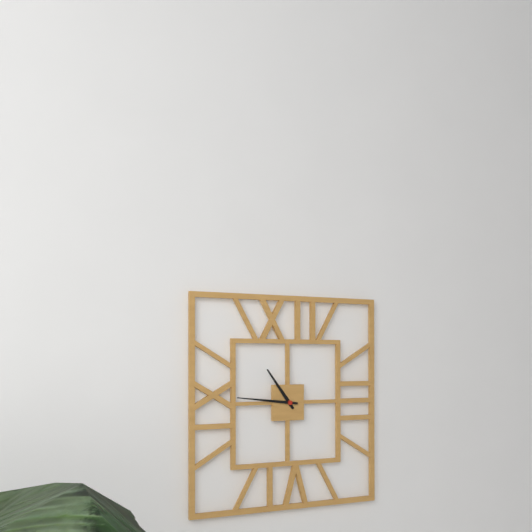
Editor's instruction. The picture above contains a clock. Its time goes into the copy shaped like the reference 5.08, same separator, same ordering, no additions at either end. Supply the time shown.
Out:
10.46
